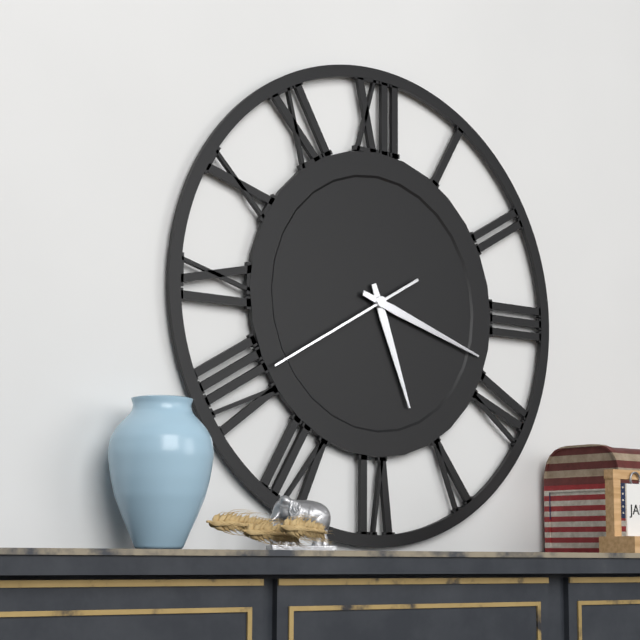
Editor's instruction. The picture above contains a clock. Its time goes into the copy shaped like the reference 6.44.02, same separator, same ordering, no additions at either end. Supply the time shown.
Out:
5.18.40
